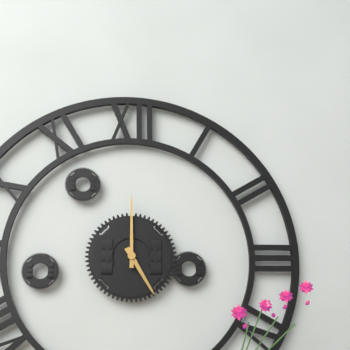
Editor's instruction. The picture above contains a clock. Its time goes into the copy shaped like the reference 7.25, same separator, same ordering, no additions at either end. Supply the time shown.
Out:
5.00
